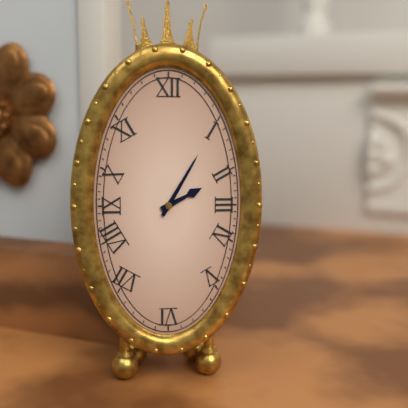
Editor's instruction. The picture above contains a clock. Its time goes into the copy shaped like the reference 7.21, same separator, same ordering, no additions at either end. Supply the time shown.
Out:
2.05
